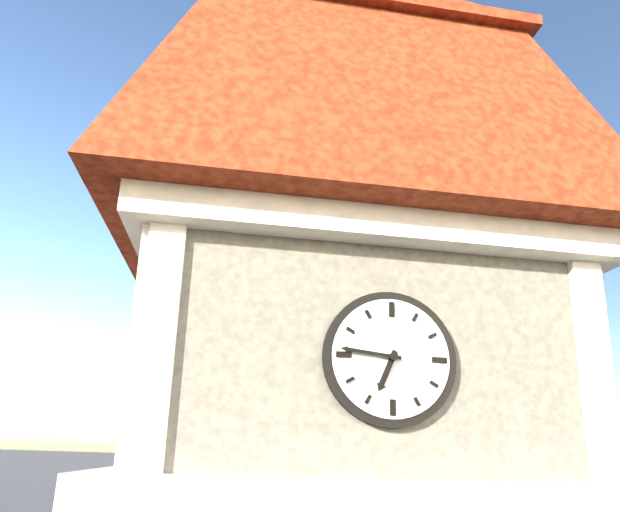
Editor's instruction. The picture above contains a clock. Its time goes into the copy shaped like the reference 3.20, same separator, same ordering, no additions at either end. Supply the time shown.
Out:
6.46
